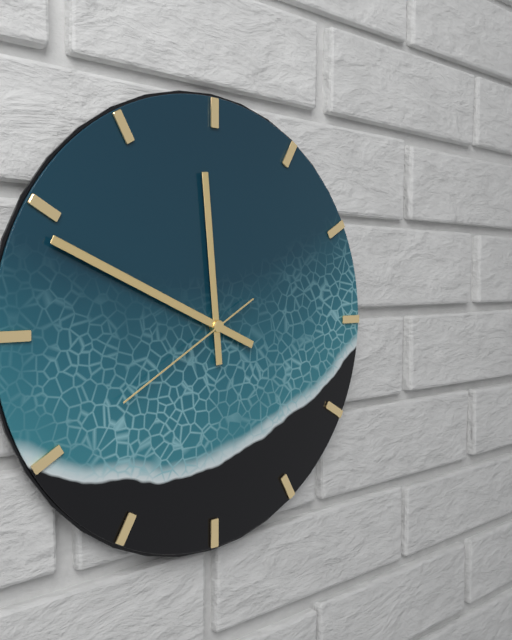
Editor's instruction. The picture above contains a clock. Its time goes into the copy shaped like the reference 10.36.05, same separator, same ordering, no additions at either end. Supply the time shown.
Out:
11.49.40
